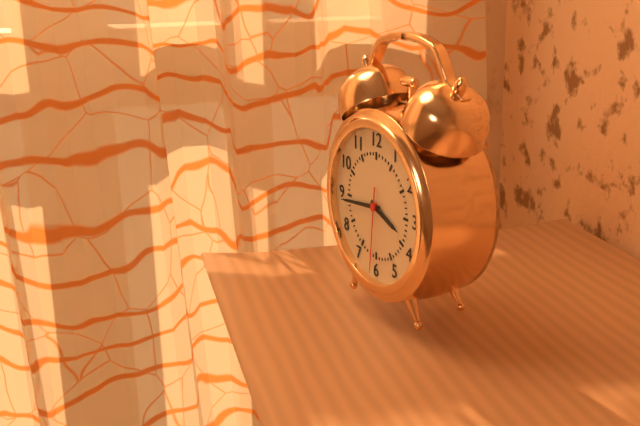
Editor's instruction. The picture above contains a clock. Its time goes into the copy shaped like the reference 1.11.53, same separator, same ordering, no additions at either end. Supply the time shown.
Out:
3.44.31
